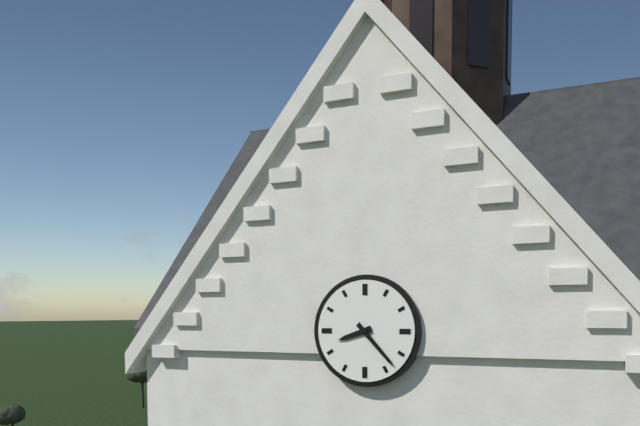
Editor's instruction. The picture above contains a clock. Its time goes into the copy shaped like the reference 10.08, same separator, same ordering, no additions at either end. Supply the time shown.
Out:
8.23
